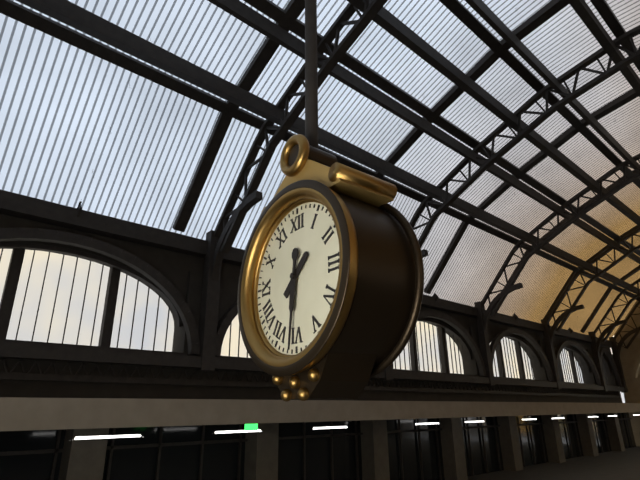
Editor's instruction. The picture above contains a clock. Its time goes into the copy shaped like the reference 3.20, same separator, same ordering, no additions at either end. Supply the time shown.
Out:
1.31
